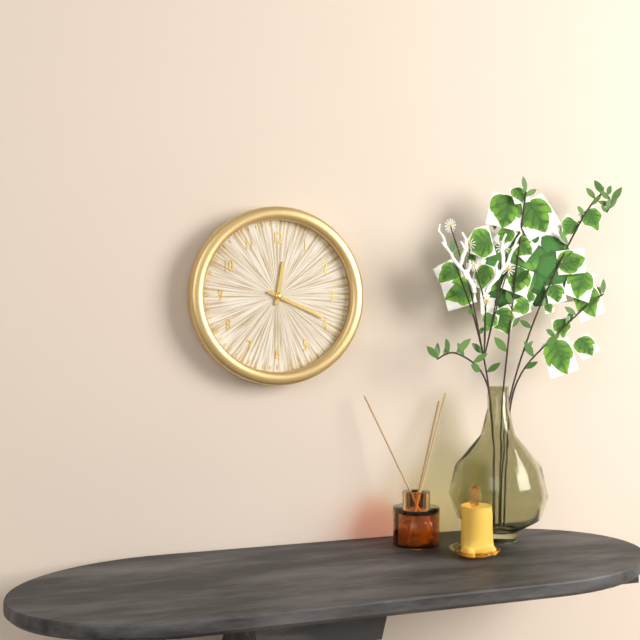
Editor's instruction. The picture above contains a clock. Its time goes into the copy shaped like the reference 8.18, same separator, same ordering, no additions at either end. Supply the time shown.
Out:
12.19
